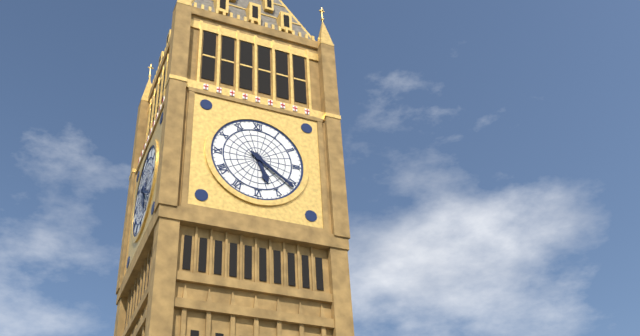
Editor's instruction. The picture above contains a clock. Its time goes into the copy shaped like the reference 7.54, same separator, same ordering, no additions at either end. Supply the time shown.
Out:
5.21
